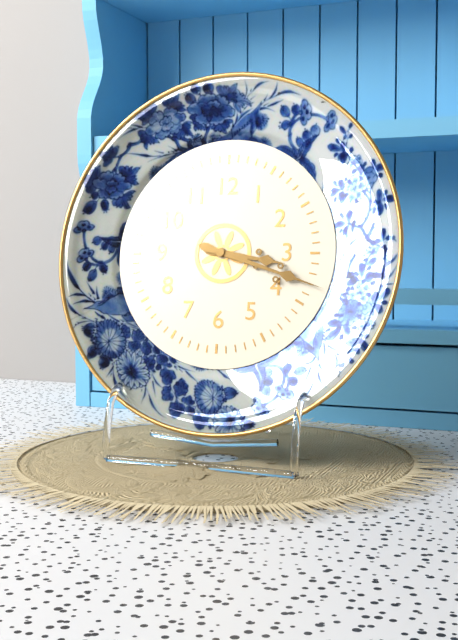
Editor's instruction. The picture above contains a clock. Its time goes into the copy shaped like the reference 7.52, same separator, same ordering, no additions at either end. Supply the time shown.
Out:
3.18
